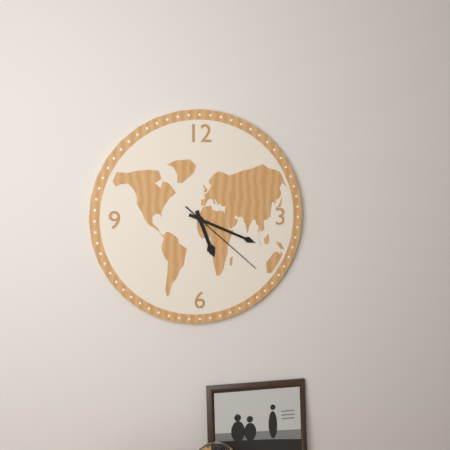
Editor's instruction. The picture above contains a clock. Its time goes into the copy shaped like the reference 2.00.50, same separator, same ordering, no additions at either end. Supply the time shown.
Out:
5.19.22
